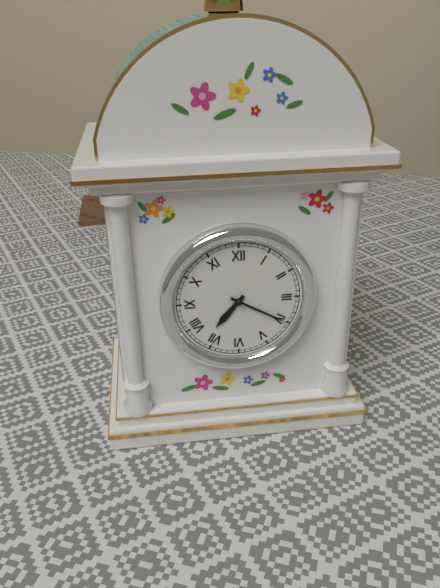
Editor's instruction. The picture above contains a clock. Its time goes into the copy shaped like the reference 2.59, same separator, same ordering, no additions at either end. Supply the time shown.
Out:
7.20
